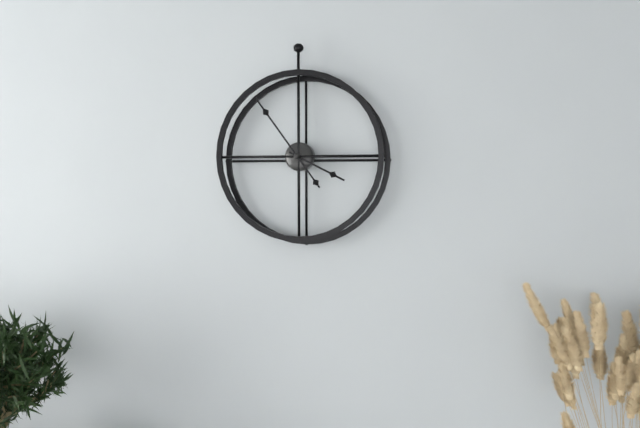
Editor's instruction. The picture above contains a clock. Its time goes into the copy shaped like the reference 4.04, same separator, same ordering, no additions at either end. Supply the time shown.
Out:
3.54
